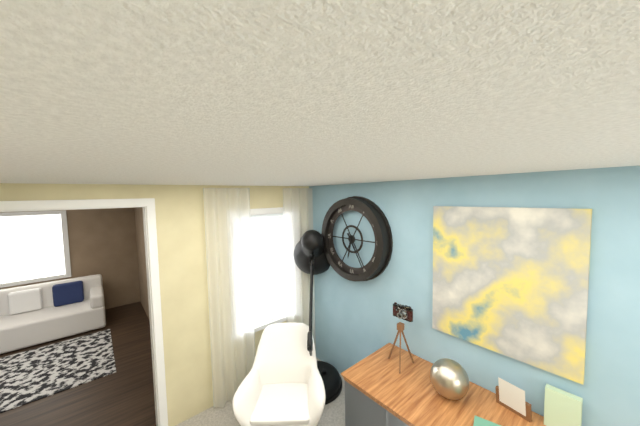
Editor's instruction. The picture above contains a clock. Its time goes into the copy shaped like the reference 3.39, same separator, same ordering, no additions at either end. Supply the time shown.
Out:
6.25
